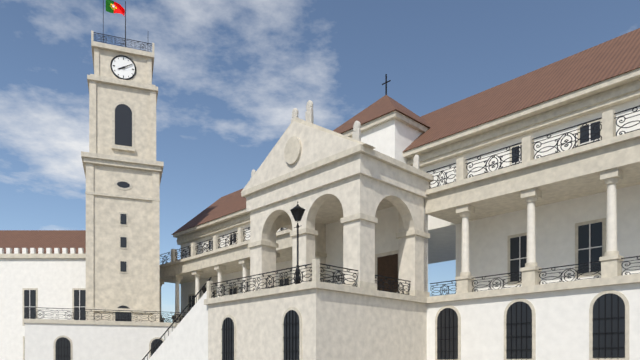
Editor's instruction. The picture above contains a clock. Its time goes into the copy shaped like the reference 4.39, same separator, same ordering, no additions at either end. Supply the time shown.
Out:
8.10
